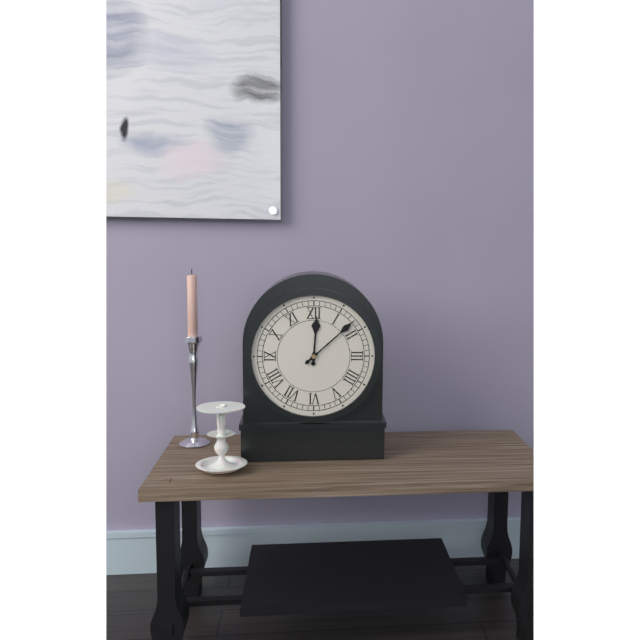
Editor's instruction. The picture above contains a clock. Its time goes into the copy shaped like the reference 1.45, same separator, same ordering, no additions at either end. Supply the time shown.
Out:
12.08
